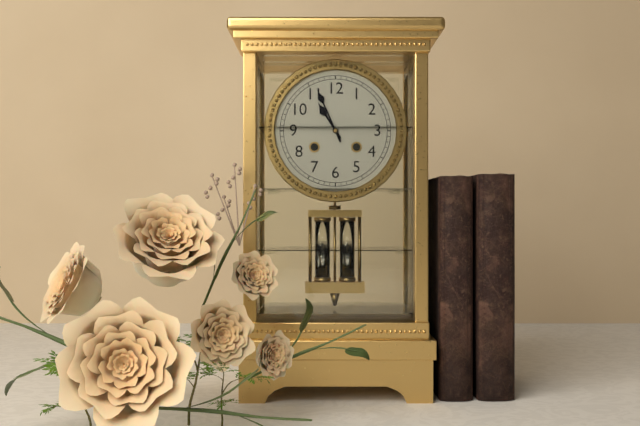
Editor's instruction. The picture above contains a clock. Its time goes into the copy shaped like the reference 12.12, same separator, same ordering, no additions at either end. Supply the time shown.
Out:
10.56
